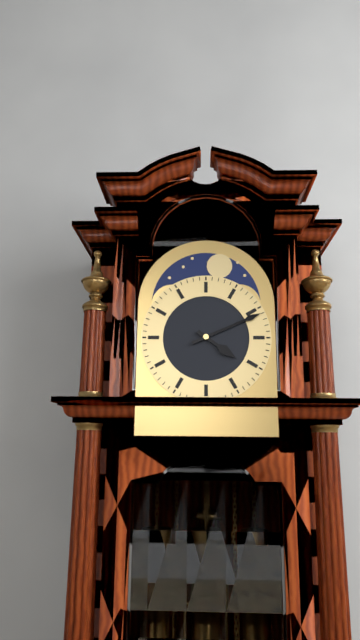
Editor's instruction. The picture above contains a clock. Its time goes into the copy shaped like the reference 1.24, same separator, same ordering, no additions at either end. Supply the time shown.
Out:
4.11
